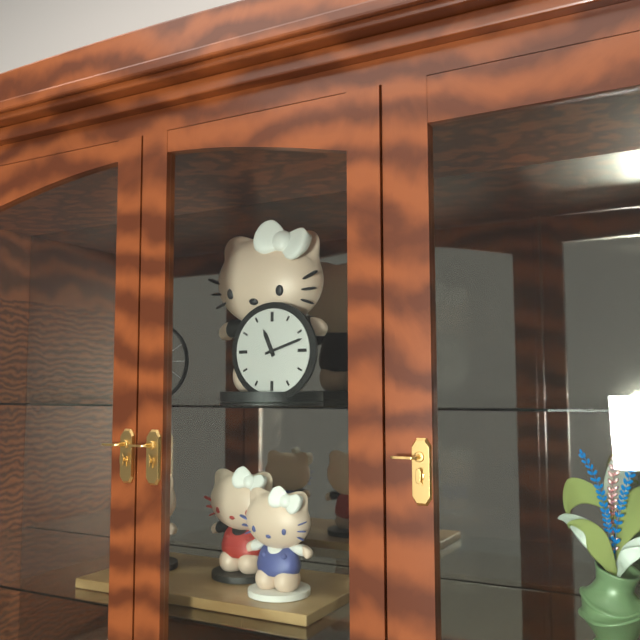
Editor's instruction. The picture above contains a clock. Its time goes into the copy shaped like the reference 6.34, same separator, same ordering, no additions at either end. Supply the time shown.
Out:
11.12
